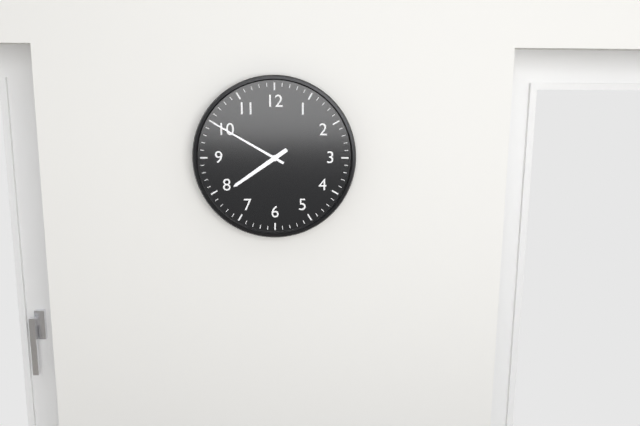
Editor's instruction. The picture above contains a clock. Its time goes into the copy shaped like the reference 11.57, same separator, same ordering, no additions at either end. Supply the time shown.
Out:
7.50
